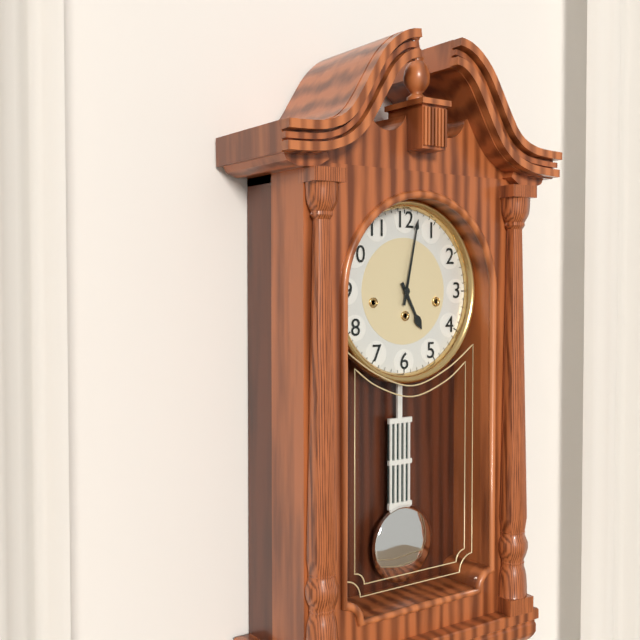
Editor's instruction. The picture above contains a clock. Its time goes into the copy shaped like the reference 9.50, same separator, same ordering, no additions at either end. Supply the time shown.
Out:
5.02
